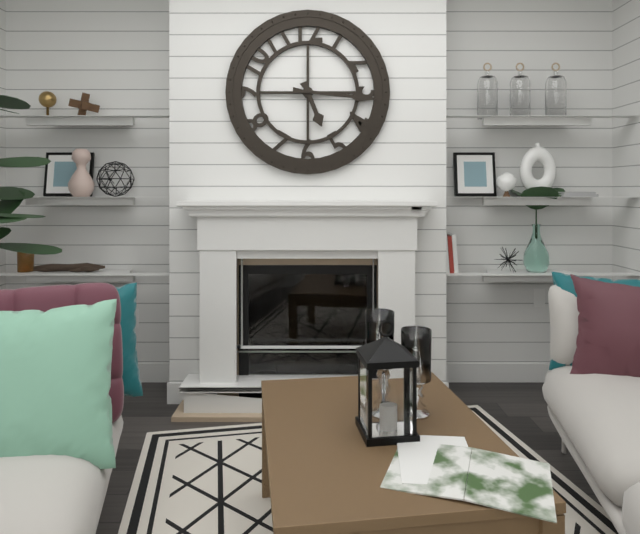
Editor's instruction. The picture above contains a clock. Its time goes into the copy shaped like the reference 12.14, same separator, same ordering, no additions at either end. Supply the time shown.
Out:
5.16
